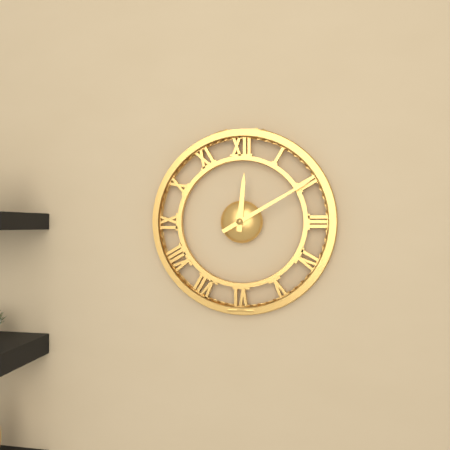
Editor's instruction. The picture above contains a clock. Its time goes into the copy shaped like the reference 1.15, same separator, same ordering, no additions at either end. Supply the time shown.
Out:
12.10
